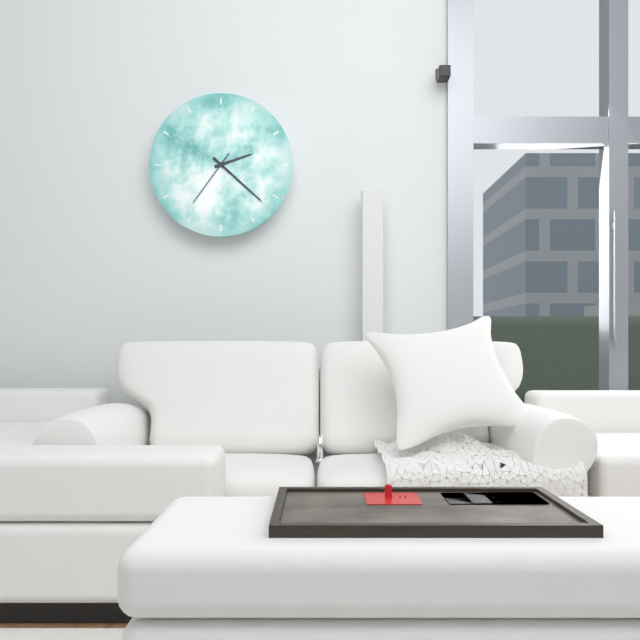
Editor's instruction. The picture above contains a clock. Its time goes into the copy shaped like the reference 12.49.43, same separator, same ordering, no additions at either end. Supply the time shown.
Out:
2.22.36
